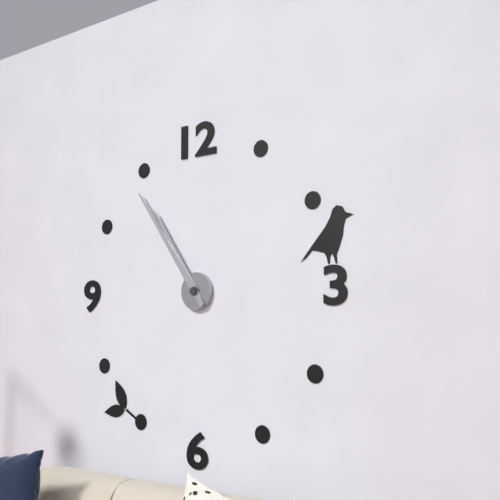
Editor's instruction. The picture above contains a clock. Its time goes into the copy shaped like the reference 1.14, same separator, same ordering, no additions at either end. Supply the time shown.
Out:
10.54
